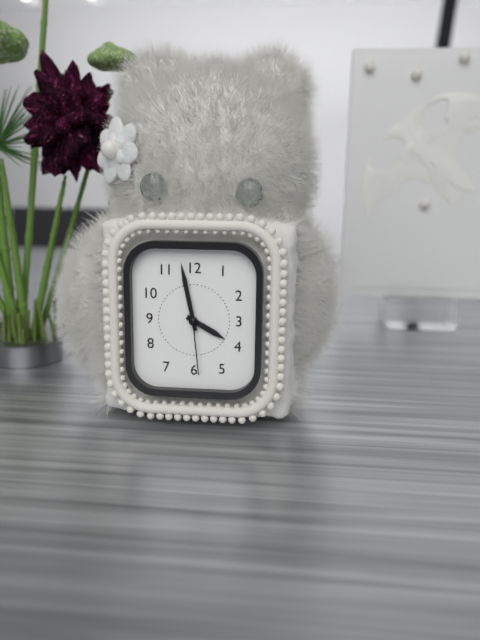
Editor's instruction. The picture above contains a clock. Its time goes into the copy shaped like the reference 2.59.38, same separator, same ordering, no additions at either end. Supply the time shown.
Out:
3.58.29
